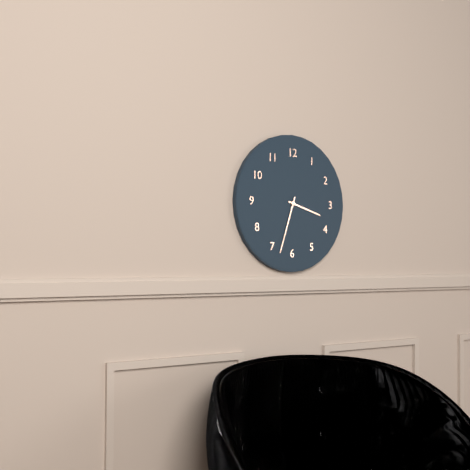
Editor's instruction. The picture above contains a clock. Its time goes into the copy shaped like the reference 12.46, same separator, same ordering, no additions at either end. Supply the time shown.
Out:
3.33
